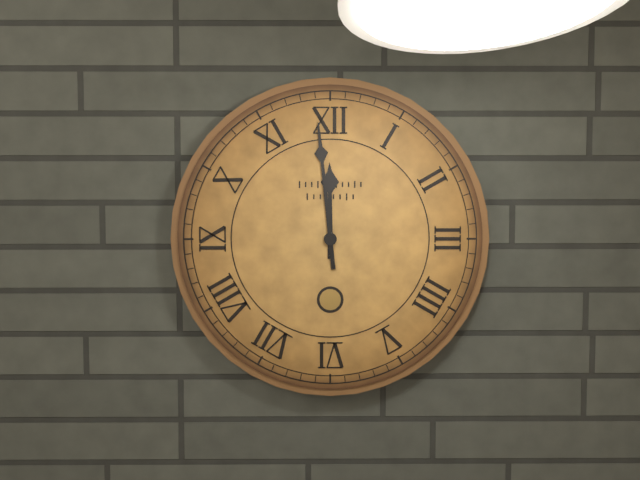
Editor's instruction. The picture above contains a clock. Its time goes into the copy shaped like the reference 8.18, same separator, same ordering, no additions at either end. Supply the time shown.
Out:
11.59
